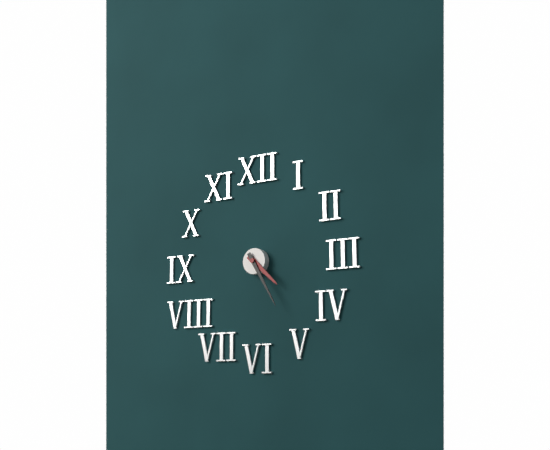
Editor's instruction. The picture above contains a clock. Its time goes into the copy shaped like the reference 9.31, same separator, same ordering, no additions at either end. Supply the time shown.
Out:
4.25
